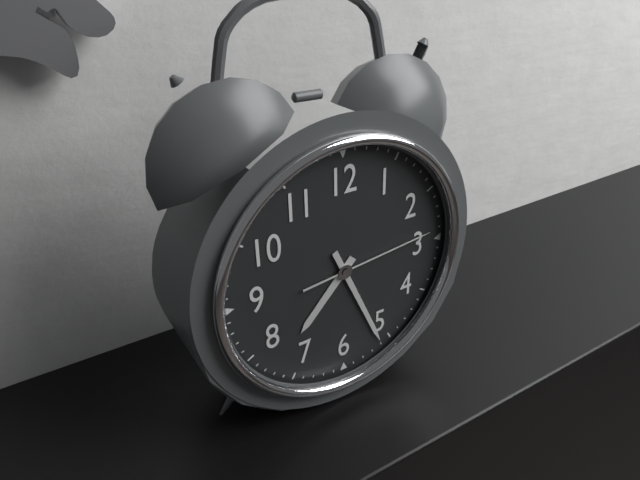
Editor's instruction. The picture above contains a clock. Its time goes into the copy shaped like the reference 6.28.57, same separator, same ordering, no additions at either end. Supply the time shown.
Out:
7.26.14
